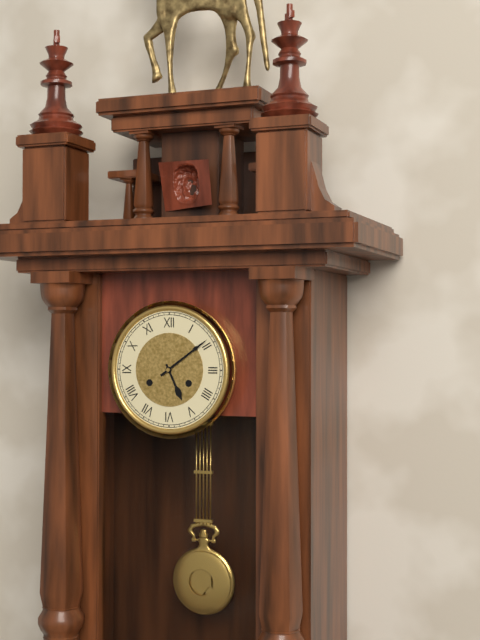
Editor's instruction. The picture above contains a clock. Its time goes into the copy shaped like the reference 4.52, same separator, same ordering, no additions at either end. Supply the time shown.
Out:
5.09
